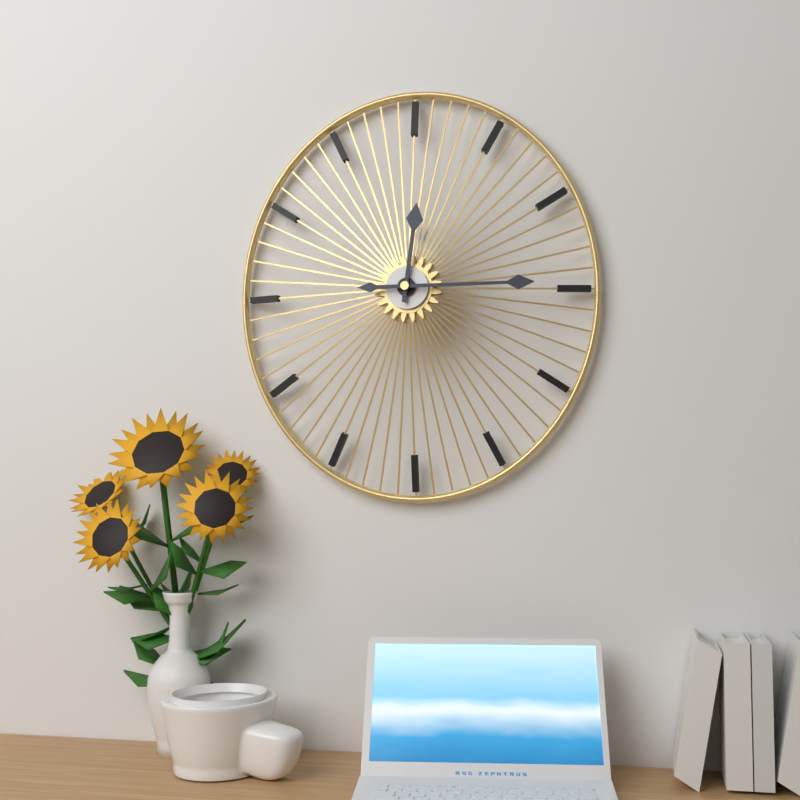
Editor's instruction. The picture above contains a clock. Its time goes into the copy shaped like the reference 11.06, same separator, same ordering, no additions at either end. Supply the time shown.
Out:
12.15
